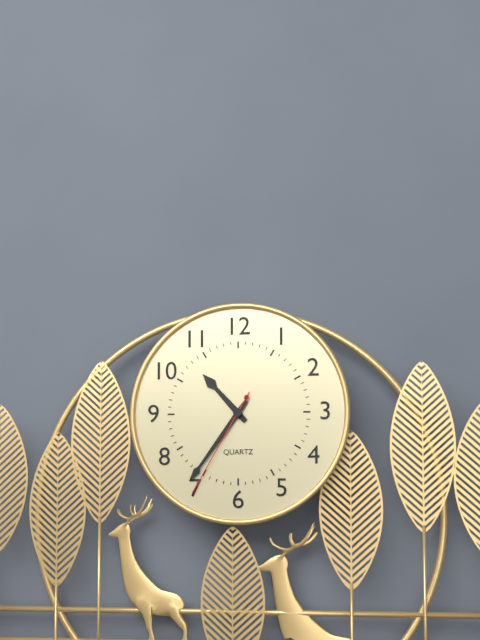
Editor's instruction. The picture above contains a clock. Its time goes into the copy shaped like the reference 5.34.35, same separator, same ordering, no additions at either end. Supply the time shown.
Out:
10.36.35
